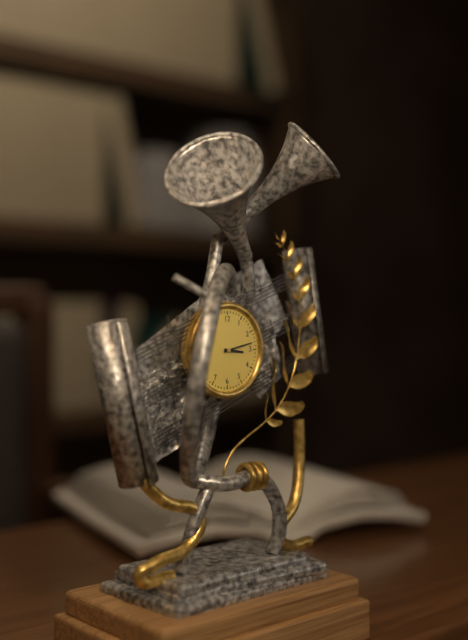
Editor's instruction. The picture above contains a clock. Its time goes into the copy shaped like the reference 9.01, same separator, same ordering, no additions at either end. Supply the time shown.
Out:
3.13
